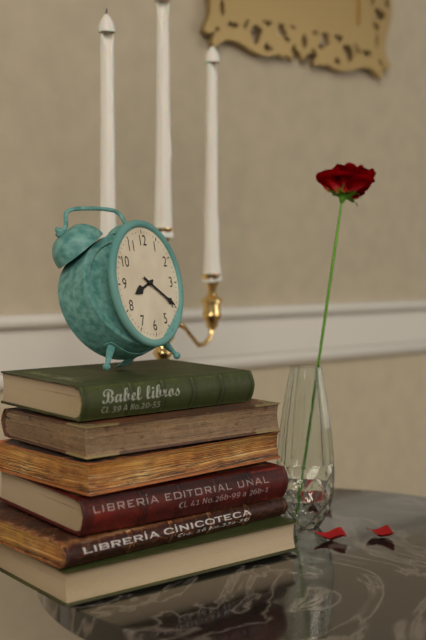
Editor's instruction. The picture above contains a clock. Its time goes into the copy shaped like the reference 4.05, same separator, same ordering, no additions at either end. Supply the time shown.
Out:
8.20
